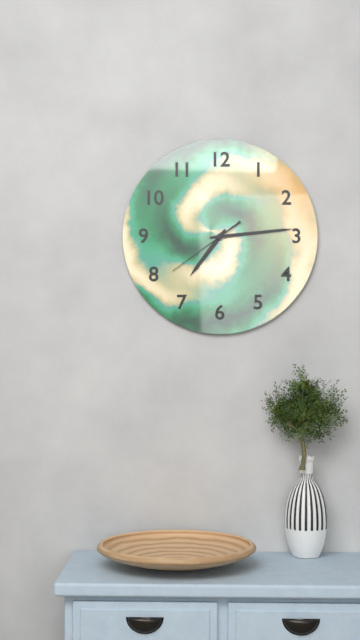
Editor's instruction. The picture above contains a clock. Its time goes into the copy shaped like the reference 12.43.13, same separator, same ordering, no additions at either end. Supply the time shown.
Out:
7.14.39
